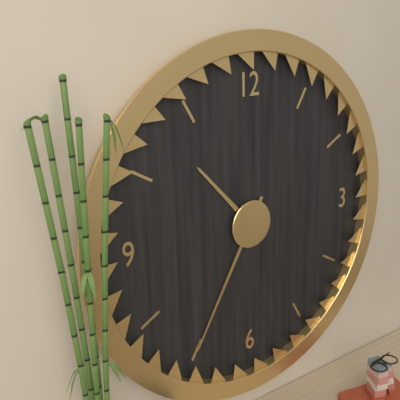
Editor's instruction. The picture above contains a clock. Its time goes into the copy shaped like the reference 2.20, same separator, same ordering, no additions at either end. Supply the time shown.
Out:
10.35
